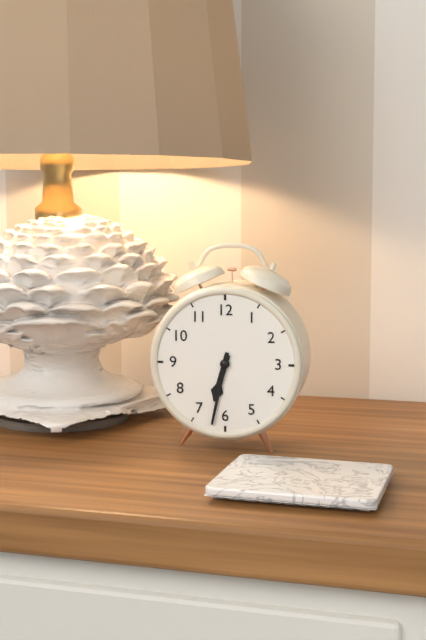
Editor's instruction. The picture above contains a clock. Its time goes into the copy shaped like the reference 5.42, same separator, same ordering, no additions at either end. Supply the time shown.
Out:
6.32
